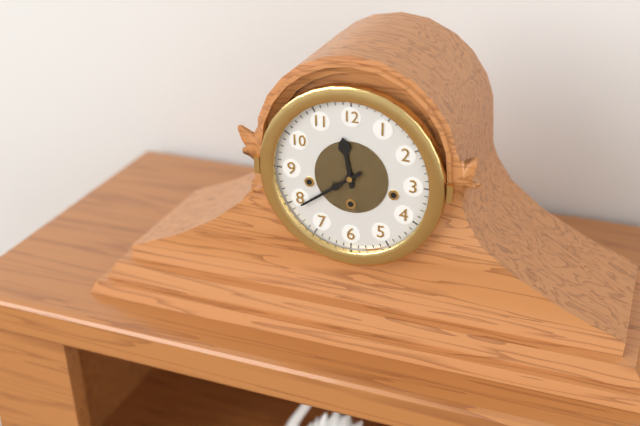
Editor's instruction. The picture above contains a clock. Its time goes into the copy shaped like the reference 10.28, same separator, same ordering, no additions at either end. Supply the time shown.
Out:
11.39
